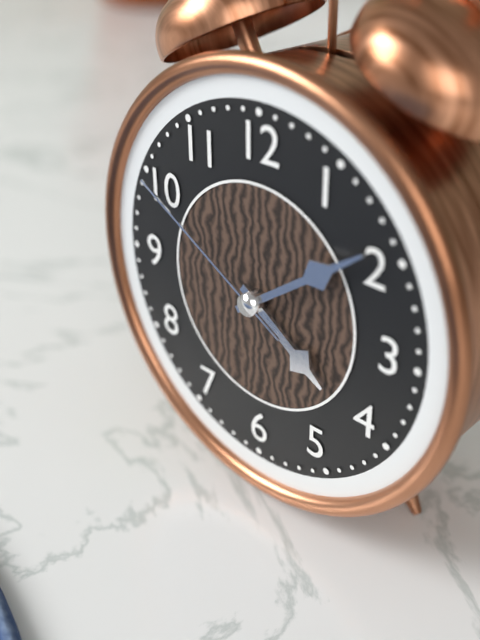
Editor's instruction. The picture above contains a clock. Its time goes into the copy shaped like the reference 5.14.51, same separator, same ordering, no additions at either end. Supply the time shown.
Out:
4.09.50
